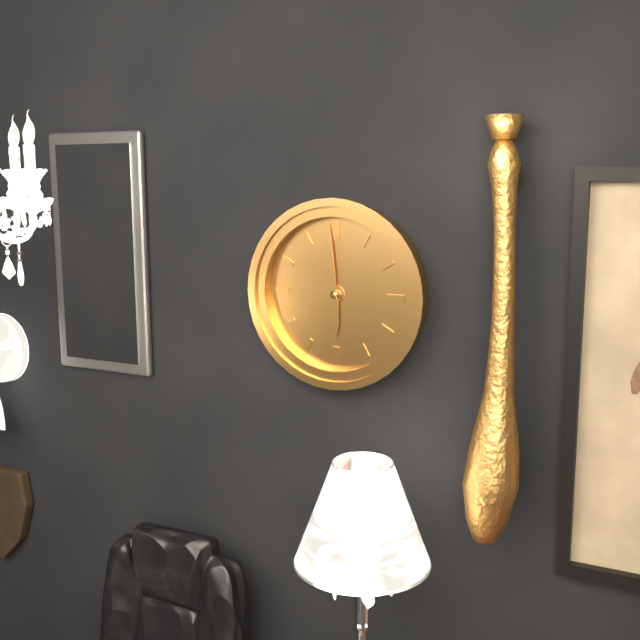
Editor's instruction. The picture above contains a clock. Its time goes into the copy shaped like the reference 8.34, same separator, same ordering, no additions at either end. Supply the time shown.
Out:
5.59
